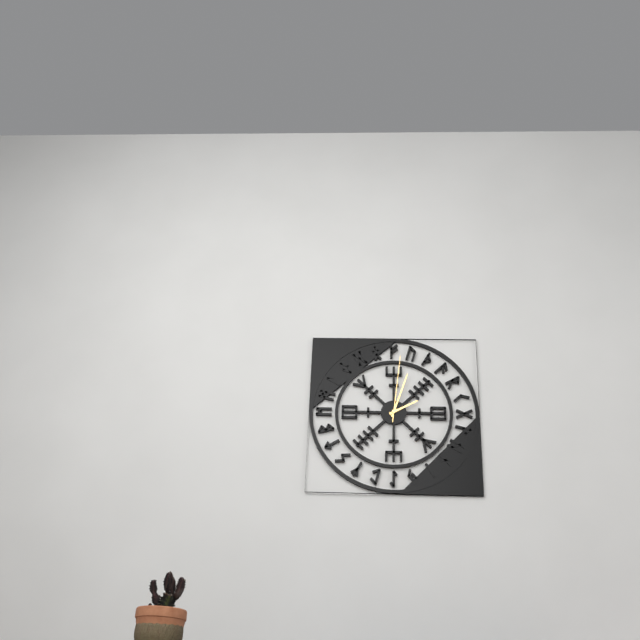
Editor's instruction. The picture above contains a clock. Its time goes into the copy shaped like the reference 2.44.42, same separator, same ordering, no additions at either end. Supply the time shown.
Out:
2.03.01
